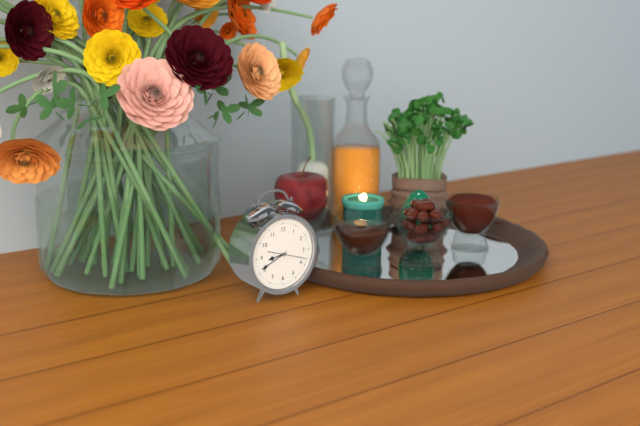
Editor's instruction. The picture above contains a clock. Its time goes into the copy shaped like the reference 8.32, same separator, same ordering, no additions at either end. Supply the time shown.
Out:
8.41
